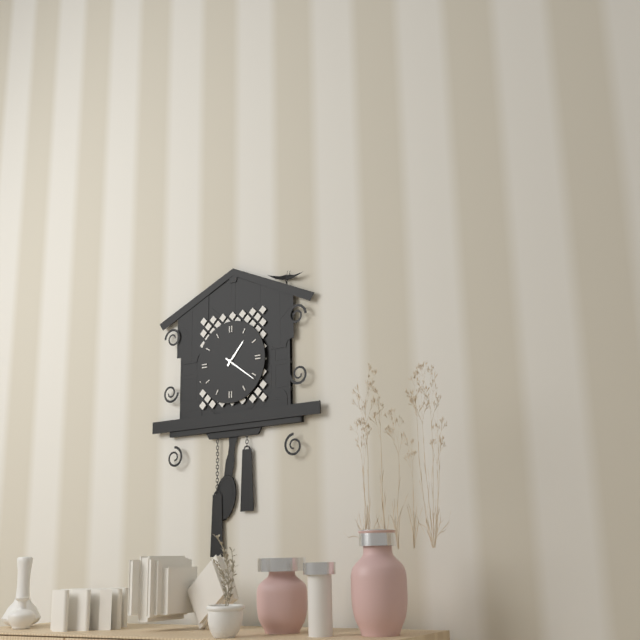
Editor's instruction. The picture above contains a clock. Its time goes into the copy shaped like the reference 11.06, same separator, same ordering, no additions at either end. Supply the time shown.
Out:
1.21
